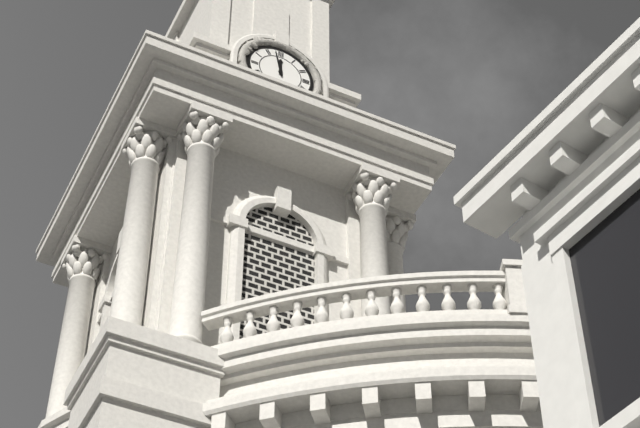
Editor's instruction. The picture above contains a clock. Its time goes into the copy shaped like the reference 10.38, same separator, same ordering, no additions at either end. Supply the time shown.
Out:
11.58
